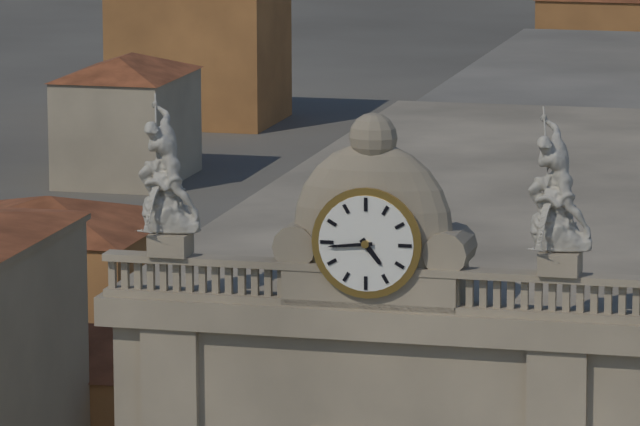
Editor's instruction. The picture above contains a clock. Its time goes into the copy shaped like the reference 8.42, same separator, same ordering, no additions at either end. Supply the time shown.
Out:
4.44
